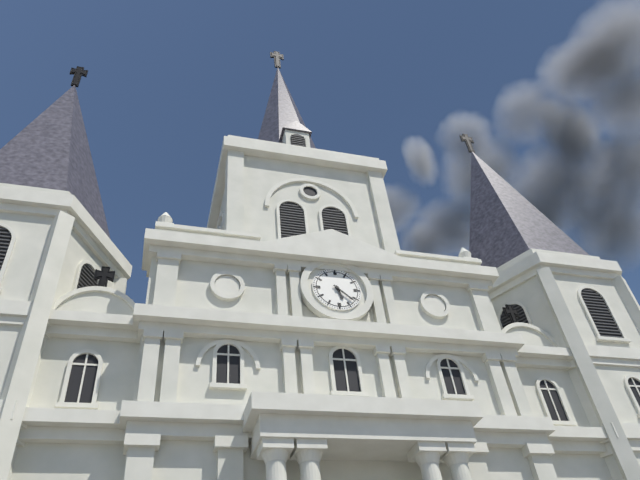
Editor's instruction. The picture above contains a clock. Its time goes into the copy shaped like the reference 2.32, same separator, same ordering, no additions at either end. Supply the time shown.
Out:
5.22
